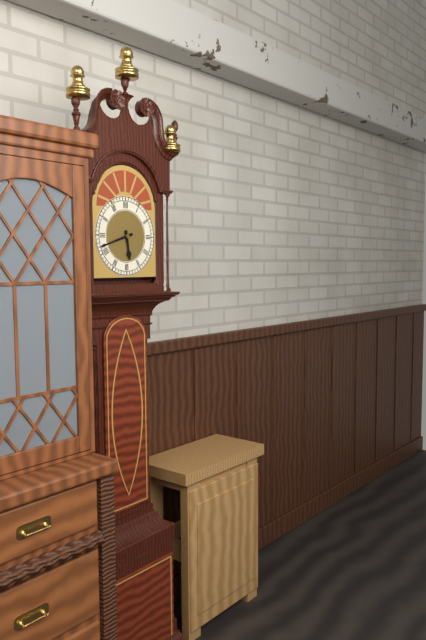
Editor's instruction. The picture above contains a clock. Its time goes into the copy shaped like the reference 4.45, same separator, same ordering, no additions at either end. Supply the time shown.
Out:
5.42
